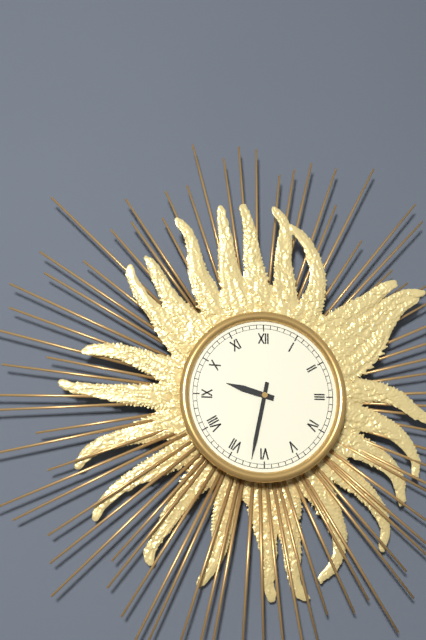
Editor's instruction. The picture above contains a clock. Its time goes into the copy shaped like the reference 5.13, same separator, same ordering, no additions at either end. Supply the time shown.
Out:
9.32
